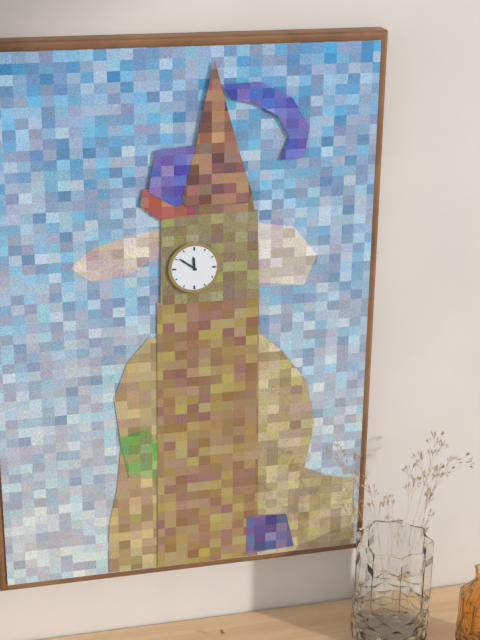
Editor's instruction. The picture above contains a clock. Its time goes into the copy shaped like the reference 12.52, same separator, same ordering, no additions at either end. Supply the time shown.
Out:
11.51
